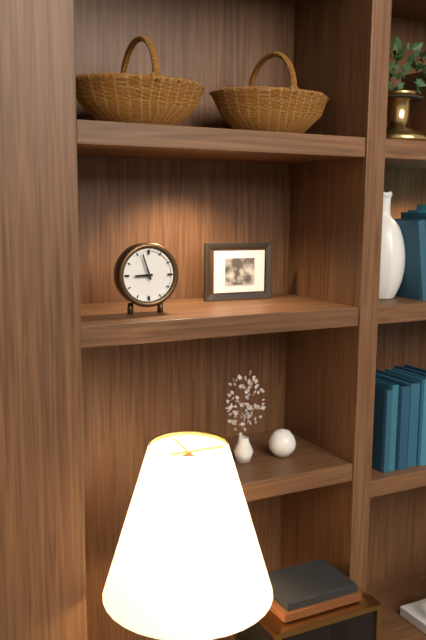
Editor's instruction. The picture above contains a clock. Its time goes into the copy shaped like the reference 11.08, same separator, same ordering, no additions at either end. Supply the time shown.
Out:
8.57
